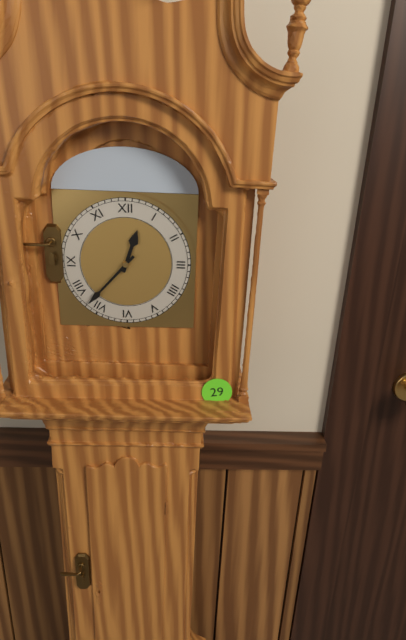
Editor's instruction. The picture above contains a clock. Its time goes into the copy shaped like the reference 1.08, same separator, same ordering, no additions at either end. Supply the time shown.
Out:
12.37
